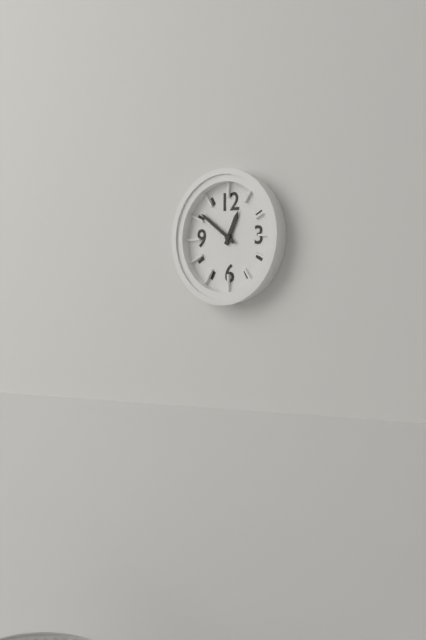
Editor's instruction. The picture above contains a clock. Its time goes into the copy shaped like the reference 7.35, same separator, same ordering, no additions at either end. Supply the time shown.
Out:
12.51
